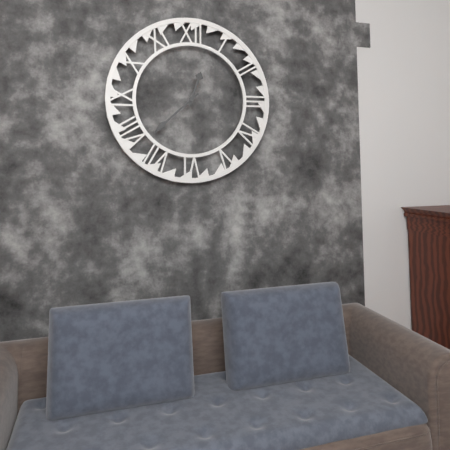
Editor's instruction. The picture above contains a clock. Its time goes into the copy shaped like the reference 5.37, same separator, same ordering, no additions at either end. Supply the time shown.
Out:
12.38
